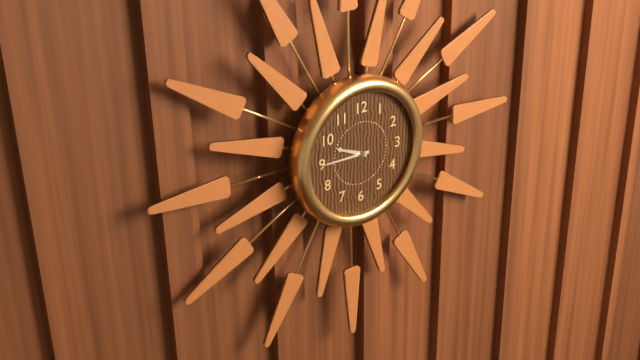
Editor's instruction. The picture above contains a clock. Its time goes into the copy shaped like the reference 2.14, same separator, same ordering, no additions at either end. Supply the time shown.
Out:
9.45
